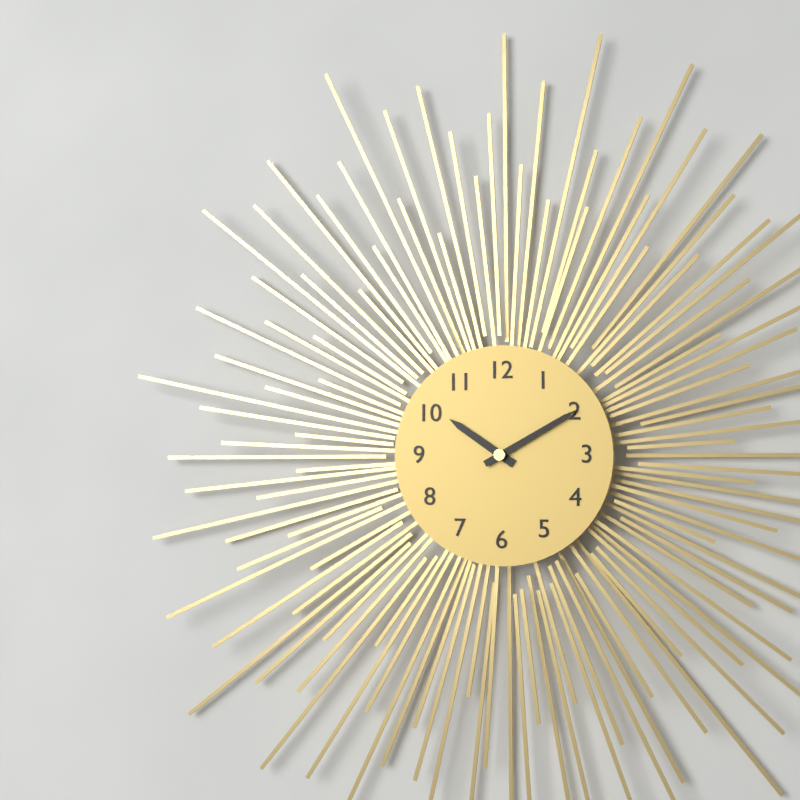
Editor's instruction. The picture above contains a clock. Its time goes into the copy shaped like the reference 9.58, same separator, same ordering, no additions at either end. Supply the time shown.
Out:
10.10
